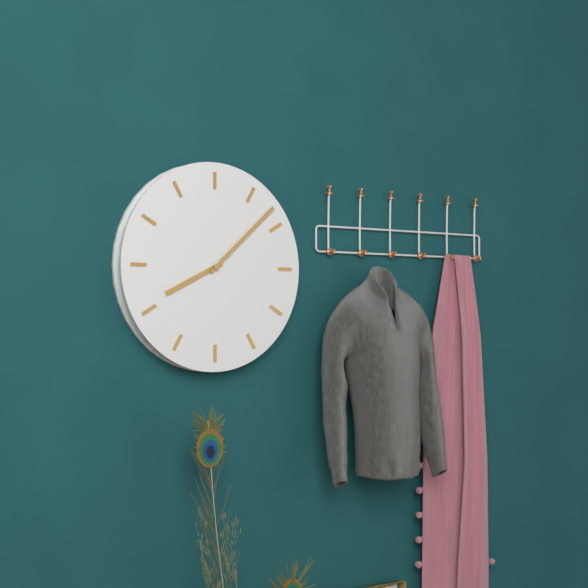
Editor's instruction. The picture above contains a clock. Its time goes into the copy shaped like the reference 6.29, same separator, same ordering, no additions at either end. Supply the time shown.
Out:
8.08
